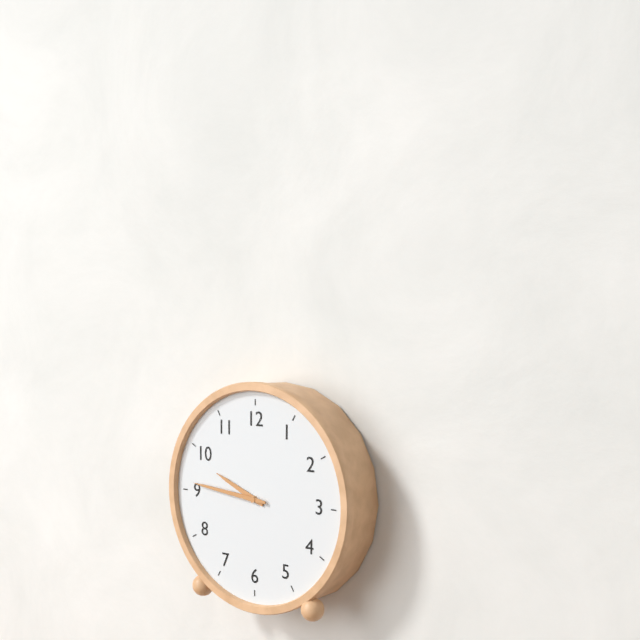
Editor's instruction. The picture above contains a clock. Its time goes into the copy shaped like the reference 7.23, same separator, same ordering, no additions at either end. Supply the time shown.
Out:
9.46
